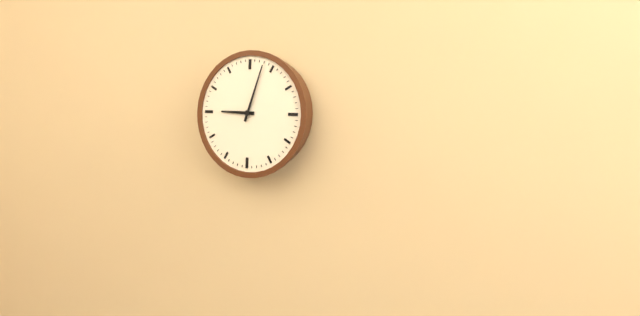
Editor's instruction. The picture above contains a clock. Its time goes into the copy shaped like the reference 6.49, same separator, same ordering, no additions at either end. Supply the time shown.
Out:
9.03
